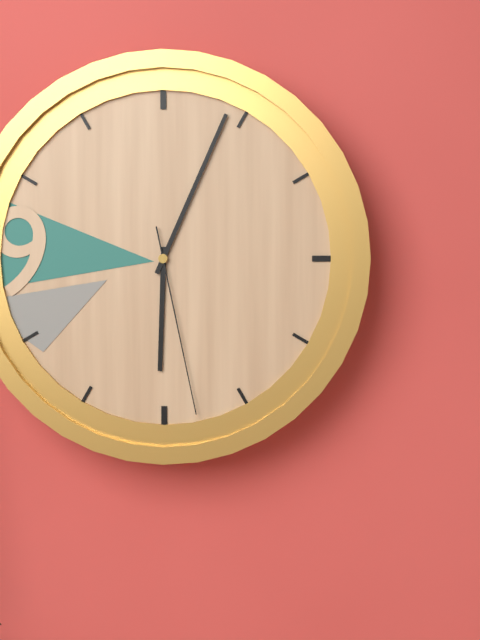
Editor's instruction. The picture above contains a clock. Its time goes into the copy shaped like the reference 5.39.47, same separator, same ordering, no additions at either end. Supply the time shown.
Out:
6.04.28
